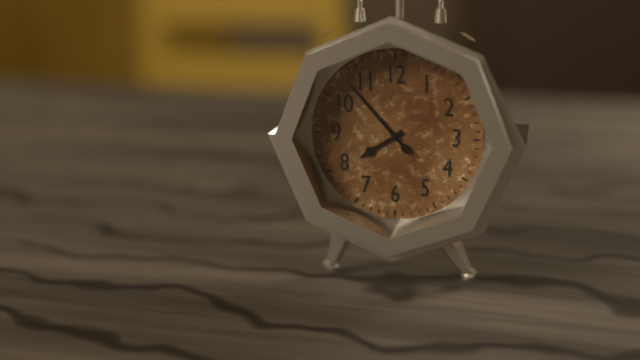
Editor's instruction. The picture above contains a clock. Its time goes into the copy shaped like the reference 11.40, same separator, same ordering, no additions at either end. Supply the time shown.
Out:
7.53
